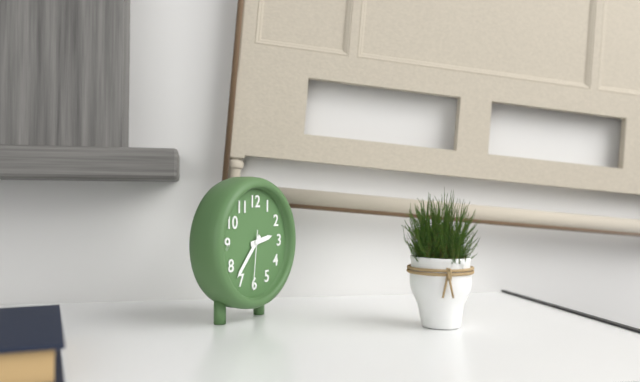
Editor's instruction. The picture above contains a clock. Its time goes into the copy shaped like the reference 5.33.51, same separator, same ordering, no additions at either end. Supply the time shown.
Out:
2.37.31
